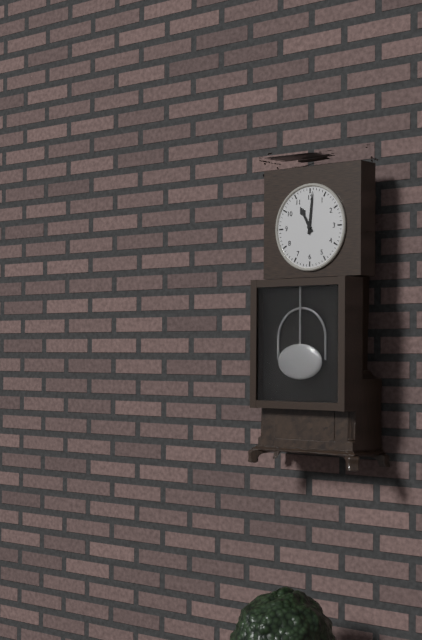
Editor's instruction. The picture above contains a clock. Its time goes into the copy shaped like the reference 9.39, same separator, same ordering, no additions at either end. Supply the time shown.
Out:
11.01
